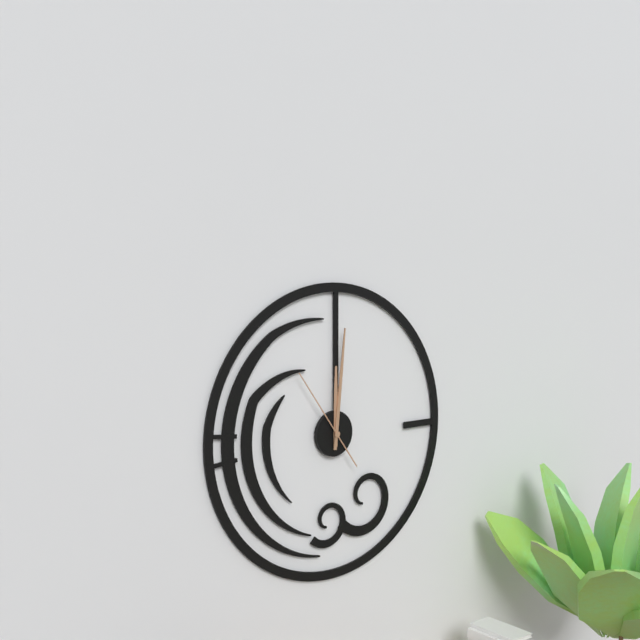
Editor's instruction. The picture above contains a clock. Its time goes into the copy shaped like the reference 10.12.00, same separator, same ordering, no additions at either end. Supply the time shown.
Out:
12.01.54
